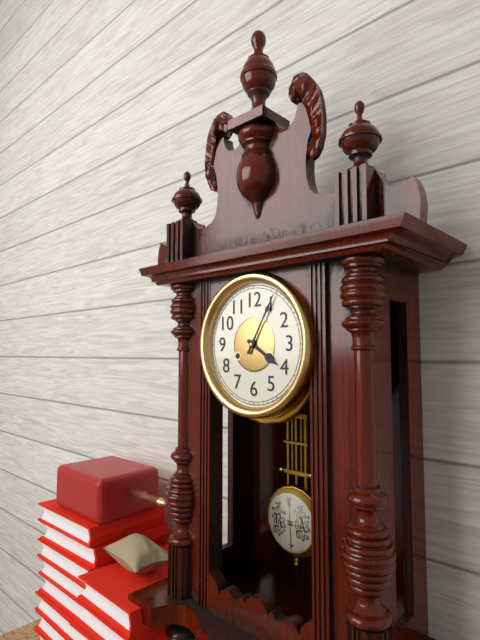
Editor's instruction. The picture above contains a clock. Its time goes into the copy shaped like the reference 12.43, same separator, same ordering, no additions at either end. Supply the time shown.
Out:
4.05
